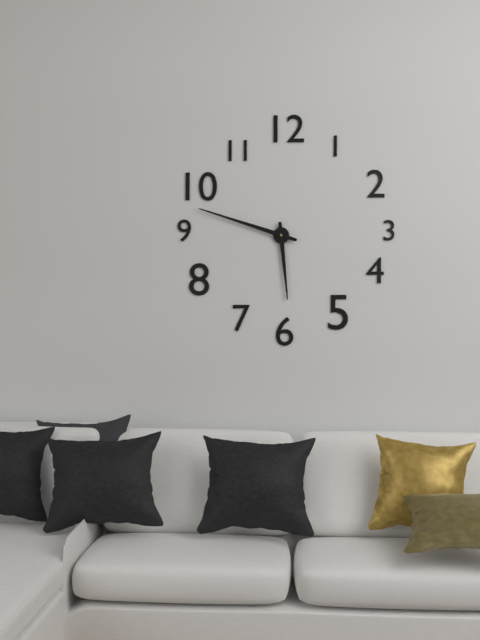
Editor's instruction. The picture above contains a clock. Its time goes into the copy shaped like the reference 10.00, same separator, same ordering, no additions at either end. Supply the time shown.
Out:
5.48
